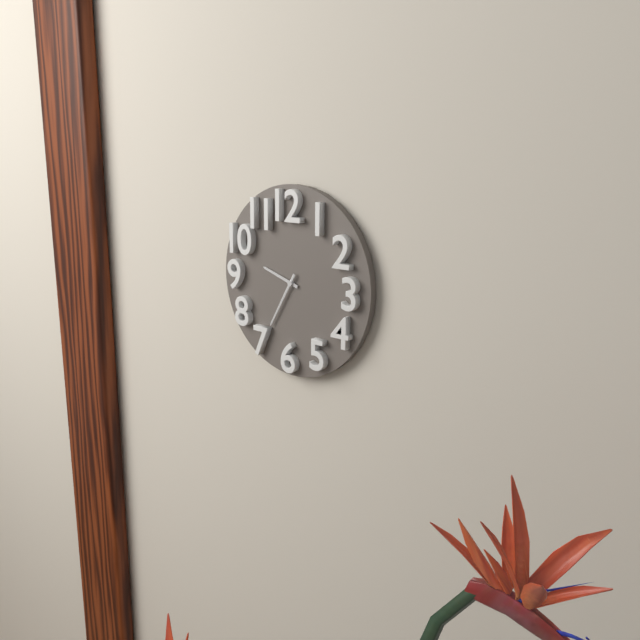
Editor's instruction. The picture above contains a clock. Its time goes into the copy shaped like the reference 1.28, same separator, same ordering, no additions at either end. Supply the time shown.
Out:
9.35
